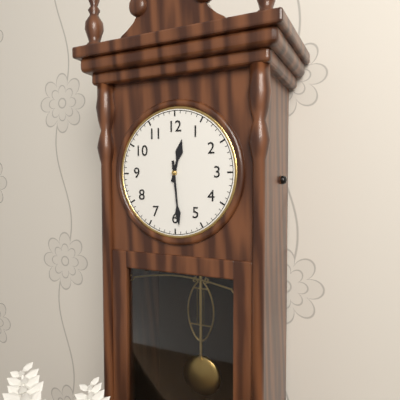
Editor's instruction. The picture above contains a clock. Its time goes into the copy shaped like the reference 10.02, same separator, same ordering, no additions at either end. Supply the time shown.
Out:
12.29
